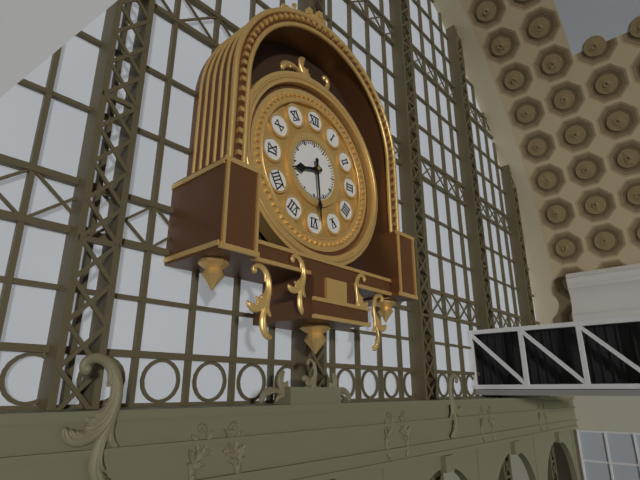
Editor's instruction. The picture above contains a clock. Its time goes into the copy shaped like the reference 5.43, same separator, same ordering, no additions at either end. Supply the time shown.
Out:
8.29
